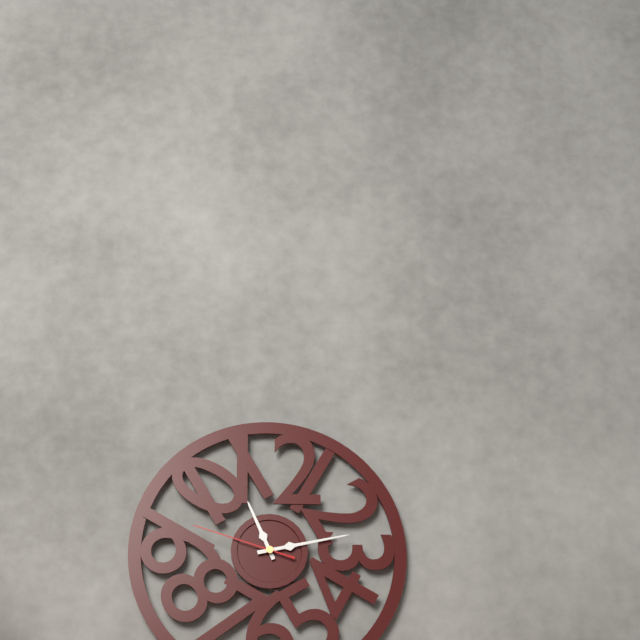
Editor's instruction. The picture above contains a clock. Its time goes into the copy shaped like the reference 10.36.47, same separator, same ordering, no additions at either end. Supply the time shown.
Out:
11.13.48
